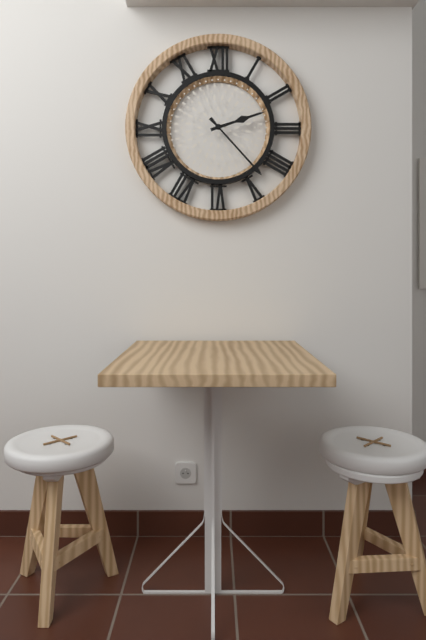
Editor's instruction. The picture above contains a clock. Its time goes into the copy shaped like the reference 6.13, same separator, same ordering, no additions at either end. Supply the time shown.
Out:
2.23
